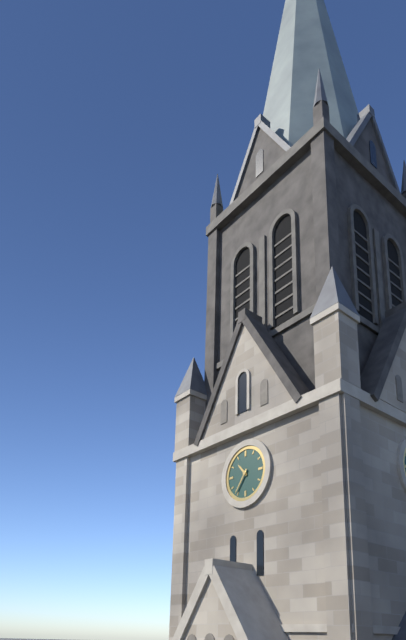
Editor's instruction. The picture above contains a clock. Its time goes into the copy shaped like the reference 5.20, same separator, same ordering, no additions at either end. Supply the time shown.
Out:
10.36
